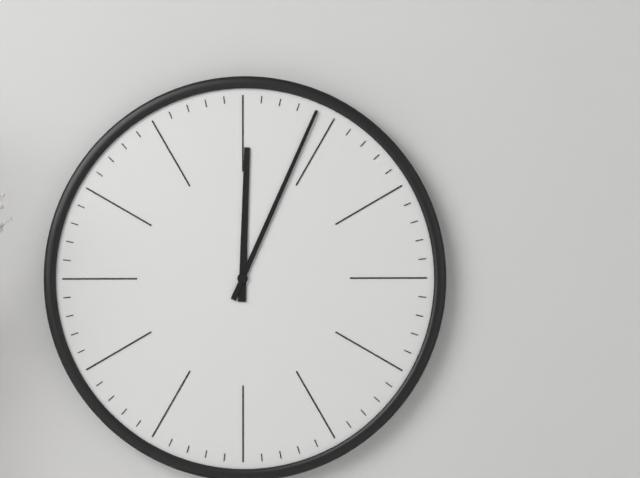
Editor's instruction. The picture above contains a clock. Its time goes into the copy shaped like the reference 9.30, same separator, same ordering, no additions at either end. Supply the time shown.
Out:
12.04
